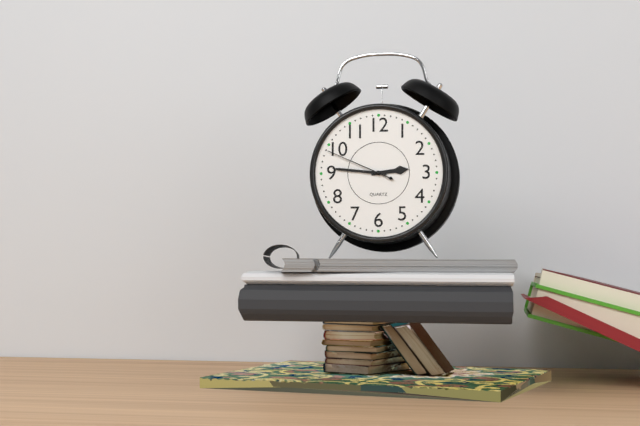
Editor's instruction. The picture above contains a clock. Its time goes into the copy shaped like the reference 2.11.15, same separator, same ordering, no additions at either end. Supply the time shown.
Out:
2.46.49
